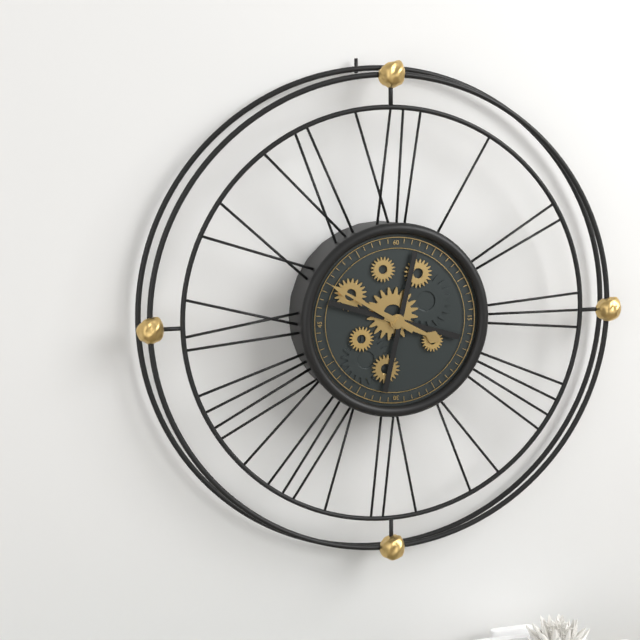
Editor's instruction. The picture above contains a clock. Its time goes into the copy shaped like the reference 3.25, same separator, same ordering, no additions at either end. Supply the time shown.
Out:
3.50
